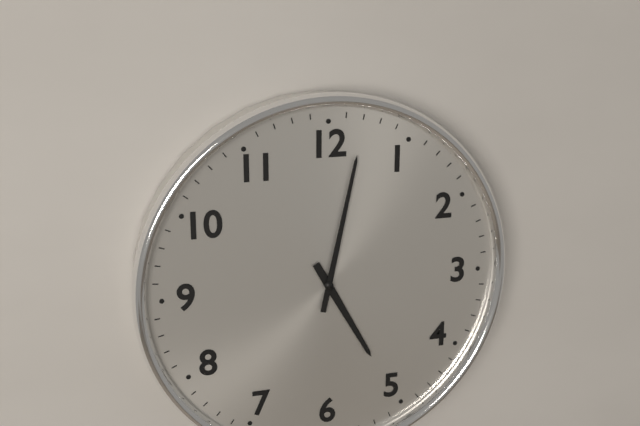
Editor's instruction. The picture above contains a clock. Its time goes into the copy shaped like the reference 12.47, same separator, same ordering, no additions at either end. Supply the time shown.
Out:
5.02
